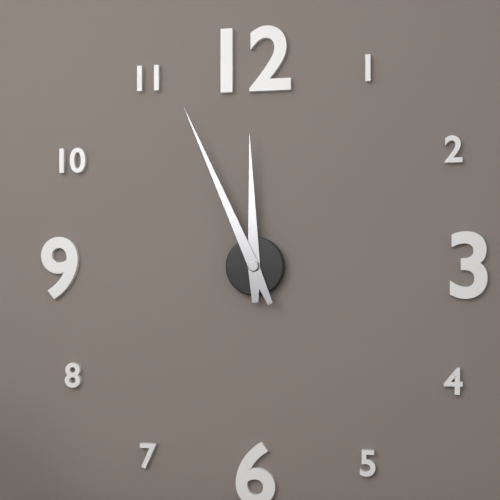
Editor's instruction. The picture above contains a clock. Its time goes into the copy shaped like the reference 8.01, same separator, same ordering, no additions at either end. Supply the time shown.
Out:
11.56
